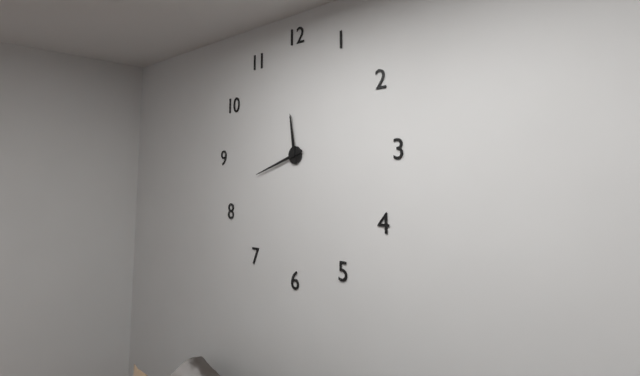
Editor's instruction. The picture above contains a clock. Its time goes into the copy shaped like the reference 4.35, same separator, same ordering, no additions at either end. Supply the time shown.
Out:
11.42
